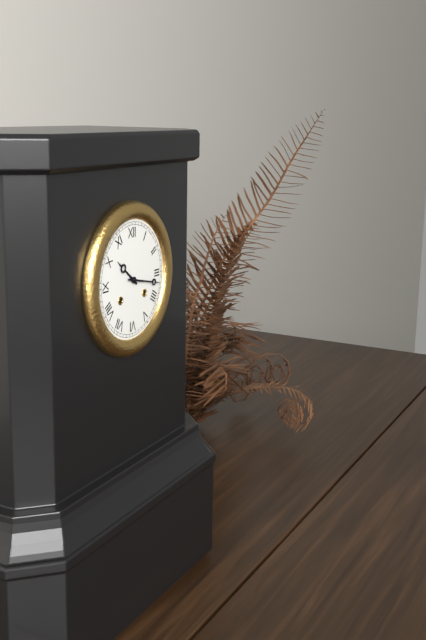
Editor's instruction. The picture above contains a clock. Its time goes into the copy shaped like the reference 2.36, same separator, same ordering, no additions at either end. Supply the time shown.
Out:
10.17
